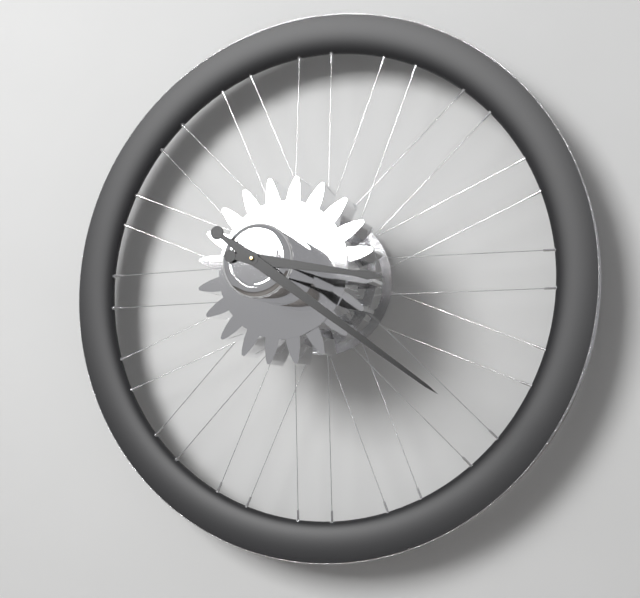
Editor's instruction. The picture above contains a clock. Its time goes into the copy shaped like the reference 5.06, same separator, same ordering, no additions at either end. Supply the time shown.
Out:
3.21
